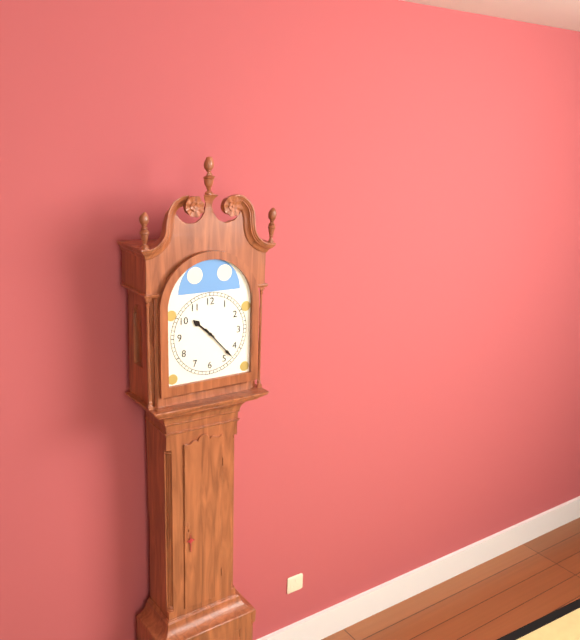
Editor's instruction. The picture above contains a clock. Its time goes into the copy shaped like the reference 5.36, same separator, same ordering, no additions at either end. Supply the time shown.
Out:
10.23
